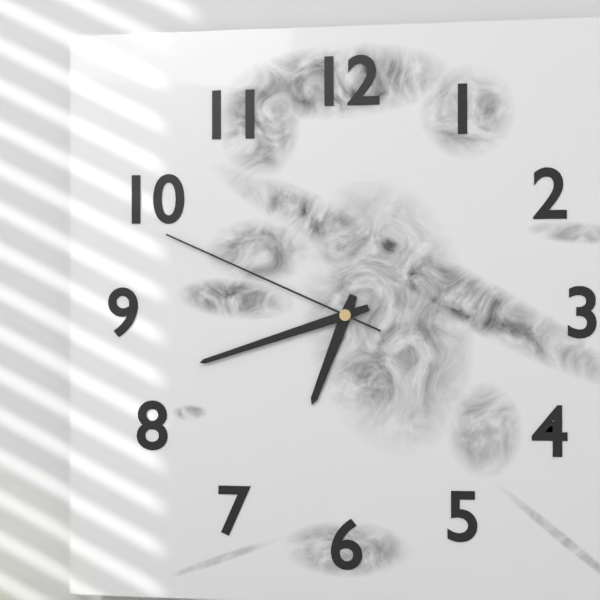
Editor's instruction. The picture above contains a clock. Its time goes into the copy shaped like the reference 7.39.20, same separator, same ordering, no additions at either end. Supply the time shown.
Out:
6.42.49
